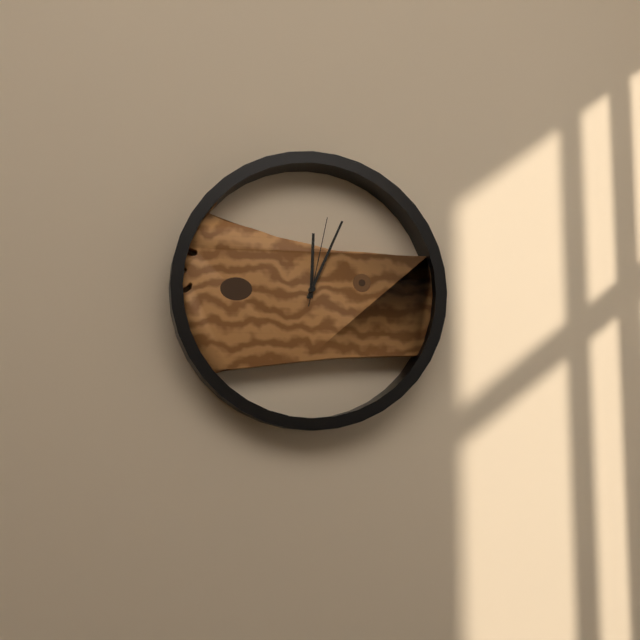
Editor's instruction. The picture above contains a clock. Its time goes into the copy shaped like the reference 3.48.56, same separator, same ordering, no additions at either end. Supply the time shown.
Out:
12.04.02
